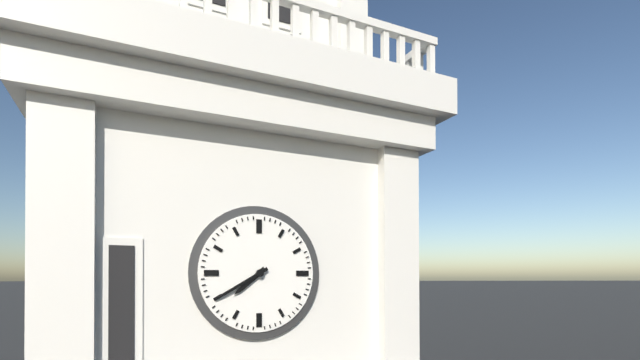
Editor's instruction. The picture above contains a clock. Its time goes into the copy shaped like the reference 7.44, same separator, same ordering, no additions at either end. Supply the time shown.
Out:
7.40
